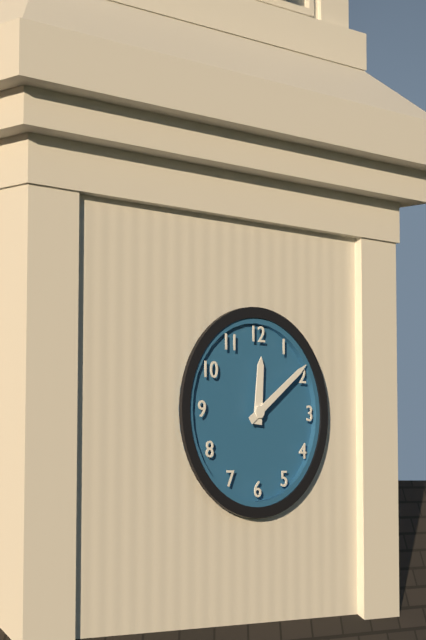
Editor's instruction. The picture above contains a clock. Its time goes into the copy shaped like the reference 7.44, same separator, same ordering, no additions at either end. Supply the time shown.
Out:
12.09
